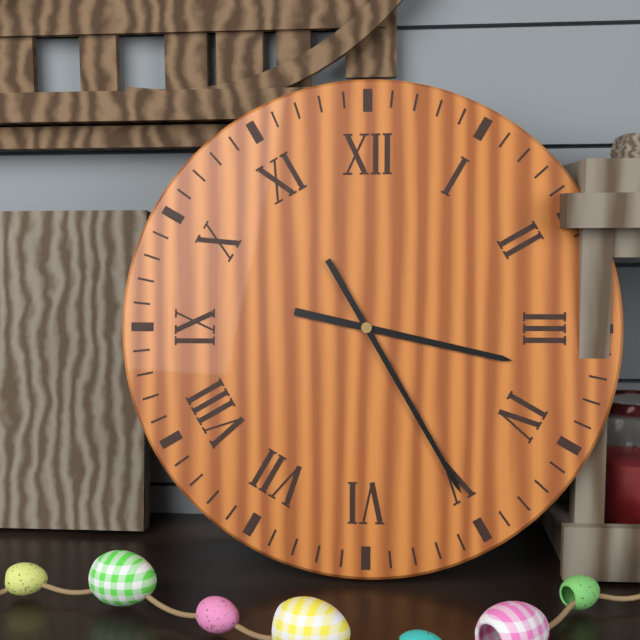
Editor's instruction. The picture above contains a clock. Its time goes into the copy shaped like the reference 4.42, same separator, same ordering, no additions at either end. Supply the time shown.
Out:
3.25
